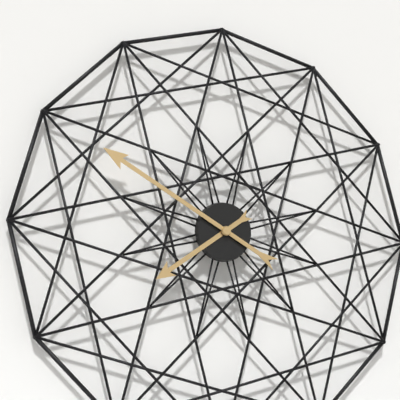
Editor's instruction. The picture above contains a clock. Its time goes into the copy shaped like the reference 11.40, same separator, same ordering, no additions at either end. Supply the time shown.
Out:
7.50
